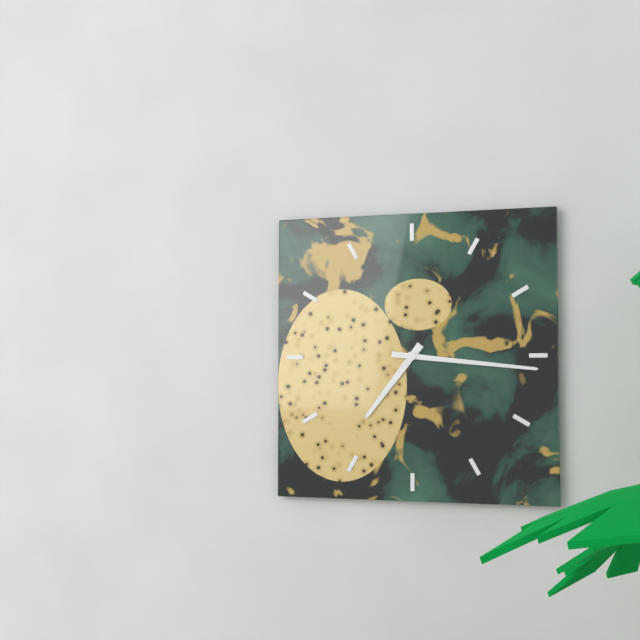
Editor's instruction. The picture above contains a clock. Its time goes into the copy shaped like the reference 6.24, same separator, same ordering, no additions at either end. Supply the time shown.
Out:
7.16
